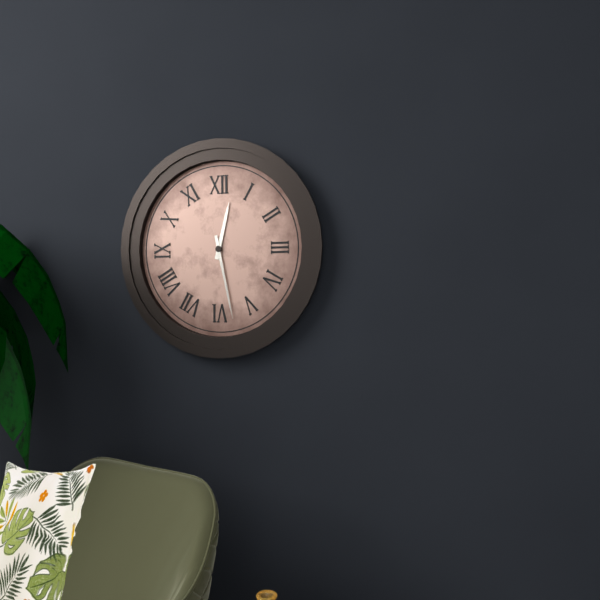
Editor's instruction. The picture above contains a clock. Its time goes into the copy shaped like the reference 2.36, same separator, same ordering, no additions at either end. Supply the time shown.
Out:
12.28
